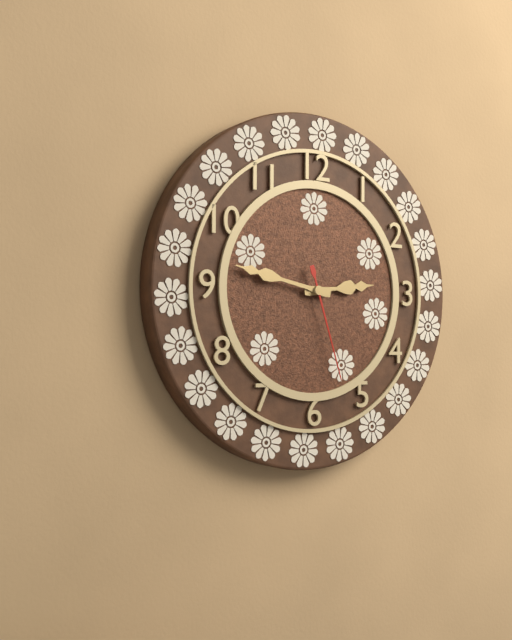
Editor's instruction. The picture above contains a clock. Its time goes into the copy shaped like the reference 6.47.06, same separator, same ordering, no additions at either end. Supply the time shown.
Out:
2.47.27
